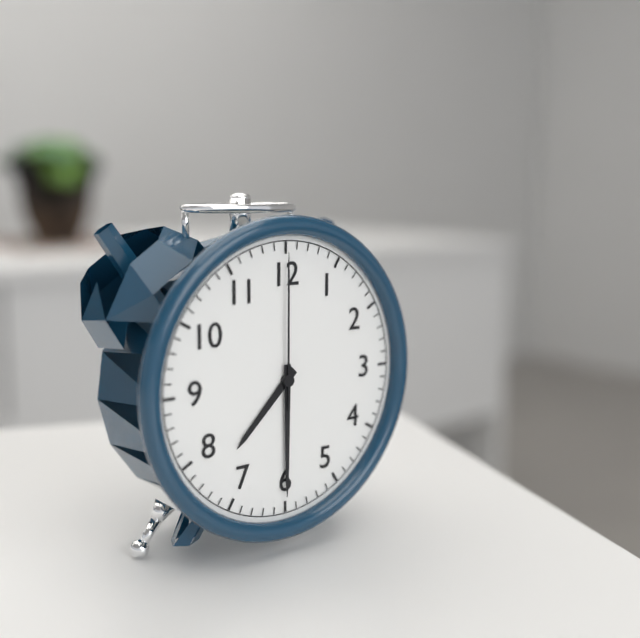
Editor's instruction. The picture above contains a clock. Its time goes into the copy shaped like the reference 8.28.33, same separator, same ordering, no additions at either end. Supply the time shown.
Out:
7.30.00
